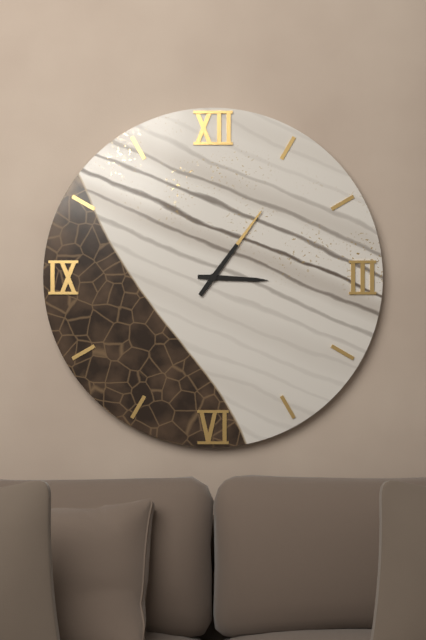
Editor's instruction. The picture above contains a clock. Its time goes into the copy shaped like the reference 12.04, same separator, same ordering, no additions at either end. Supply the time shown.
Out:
3.06
